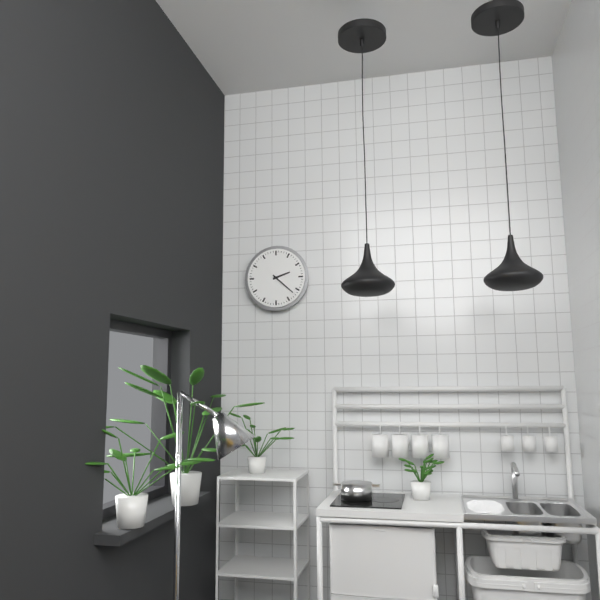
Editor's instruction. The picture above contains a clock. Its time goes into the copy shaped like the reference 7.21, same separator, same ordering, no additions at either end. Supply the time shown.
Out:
2.22
